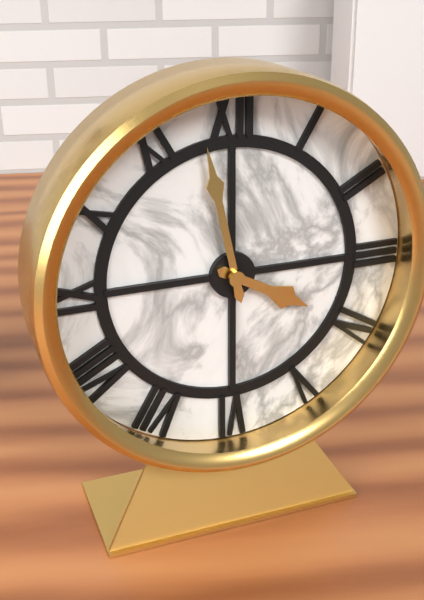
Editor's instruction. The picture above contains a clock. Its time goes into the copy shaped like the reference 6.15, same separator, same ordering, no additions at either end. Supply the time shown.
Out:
3.58
